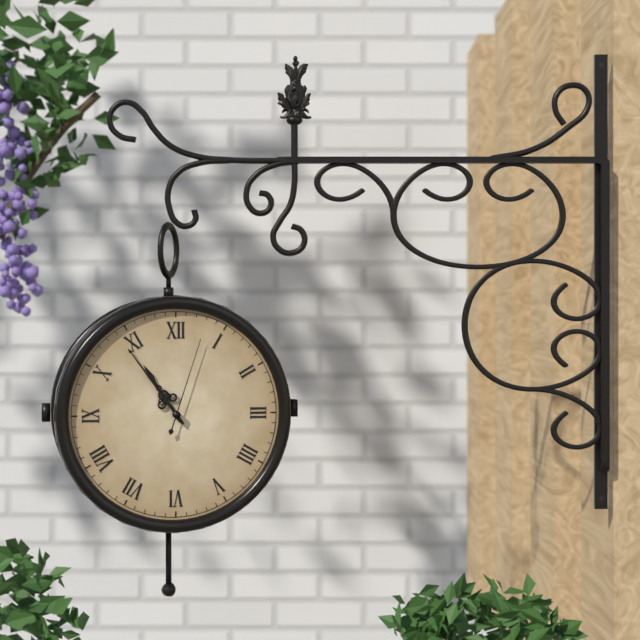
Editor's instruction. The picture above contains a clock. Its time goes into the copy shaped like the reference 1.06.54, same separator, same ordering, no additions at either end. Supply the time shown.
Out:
10.54.03
